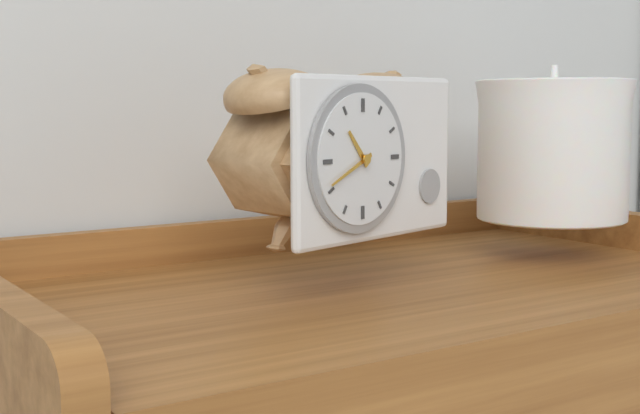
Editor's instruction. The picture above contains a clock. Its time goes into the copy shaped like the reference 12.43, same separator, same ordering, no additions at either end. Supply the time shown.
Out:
10.41
